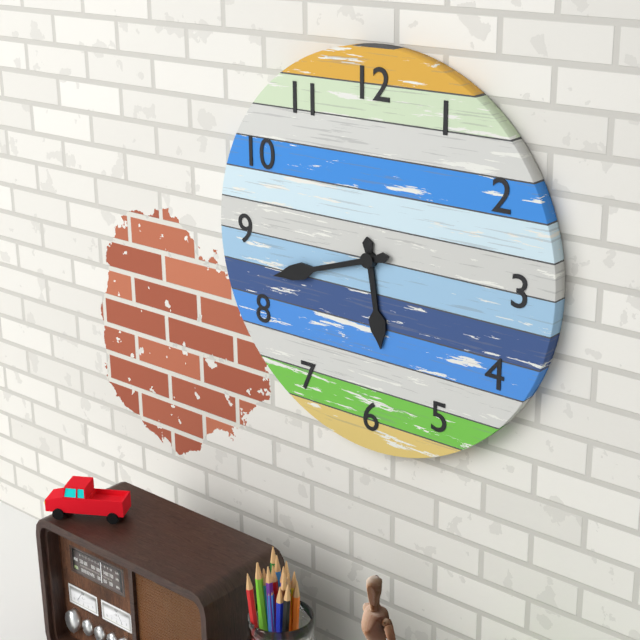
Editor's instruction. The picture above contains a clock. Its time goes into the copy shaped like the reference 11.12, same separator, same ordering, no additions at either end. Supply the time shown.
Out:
5.42
